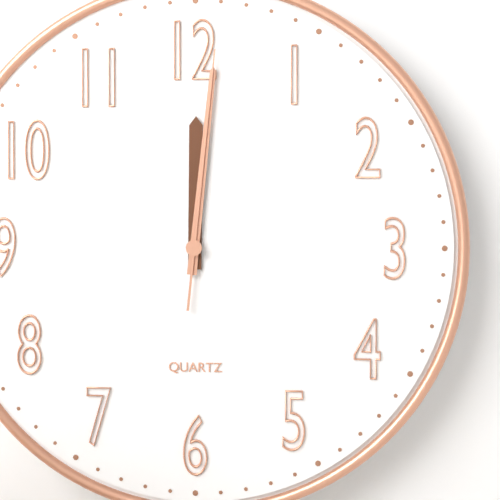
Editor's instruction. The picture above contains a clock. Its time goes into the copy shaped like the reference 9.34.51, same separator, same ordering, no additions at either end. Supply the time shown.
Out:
12.01.01
